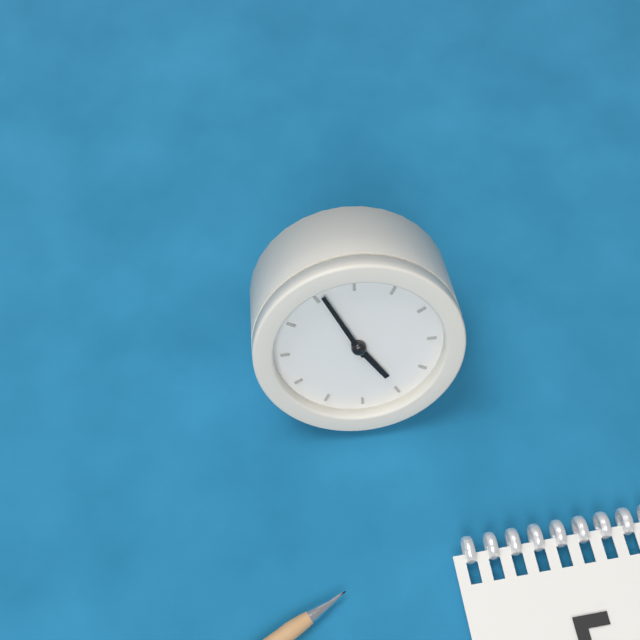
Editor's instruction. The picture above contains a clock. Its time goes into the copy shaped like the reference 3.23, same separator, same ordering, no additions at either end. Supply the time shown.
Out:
4.56
